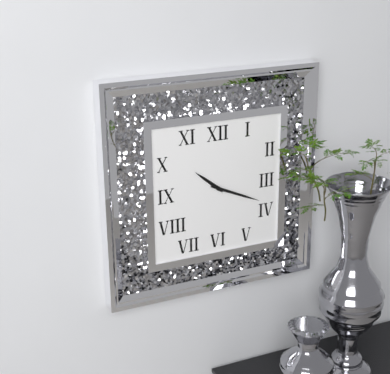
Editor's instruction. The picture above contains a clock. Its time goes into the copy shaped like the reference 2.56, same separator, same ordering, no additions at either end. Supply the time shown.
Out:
10.19
